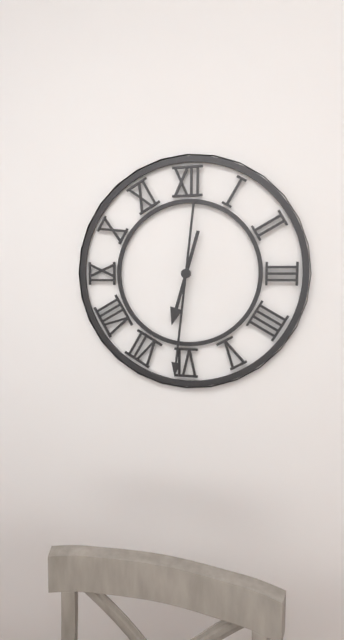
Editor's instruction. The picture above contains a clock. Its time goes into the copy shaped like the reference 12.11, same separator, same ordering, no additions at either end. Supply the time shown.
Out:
6.31
